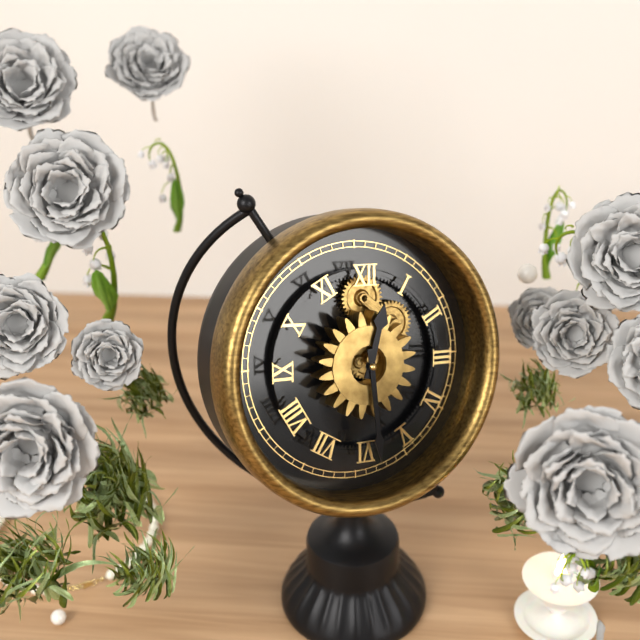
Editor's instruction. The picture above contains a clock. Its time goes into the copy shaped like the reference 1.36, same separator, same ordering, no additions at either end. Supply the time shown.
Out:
12.29
